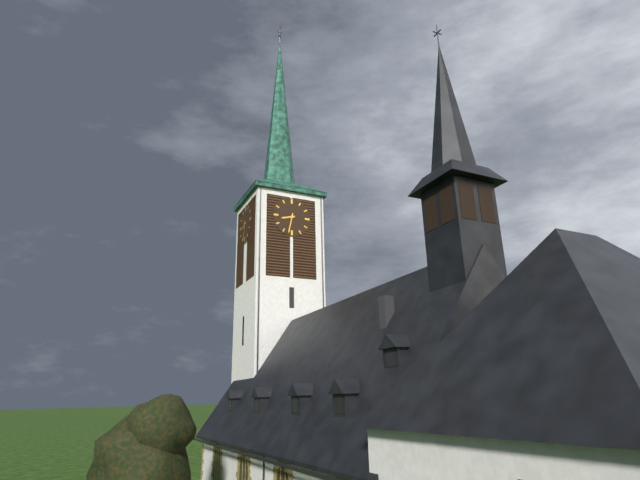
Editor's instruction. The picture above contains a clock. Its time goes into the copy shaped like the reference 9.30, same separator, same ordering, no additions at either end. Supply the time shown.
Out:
8.32
